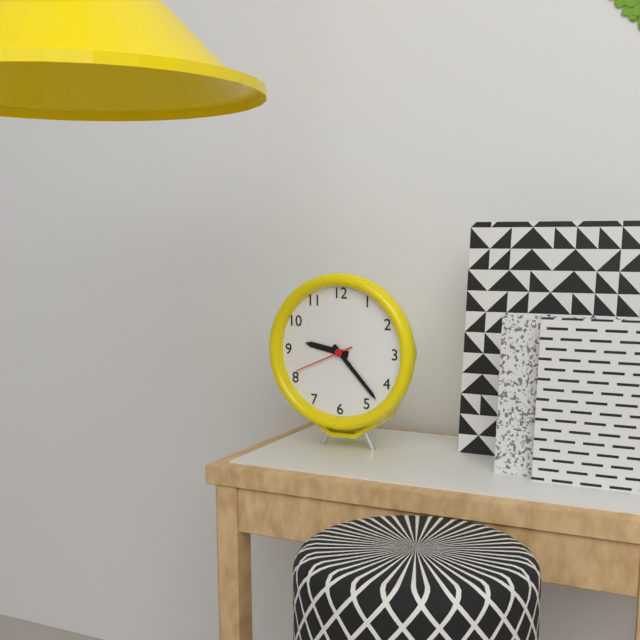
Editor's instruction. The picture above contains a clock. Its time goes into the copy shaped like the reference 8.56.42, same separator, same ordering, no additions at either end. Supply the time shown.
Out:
9.23.41
